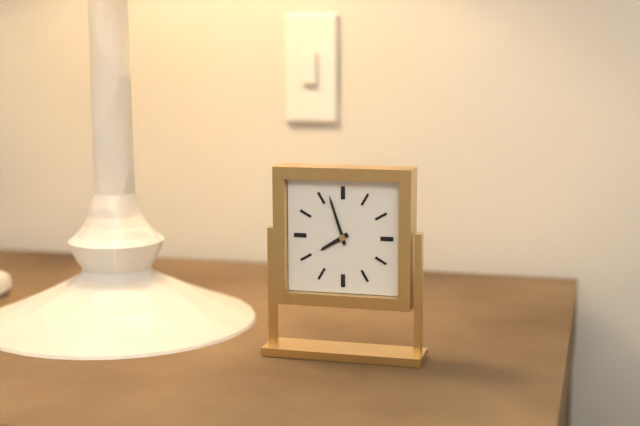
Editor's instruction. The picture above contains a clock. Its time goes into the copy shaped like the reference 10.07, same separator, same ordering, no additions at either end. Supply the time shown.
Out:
7.57
